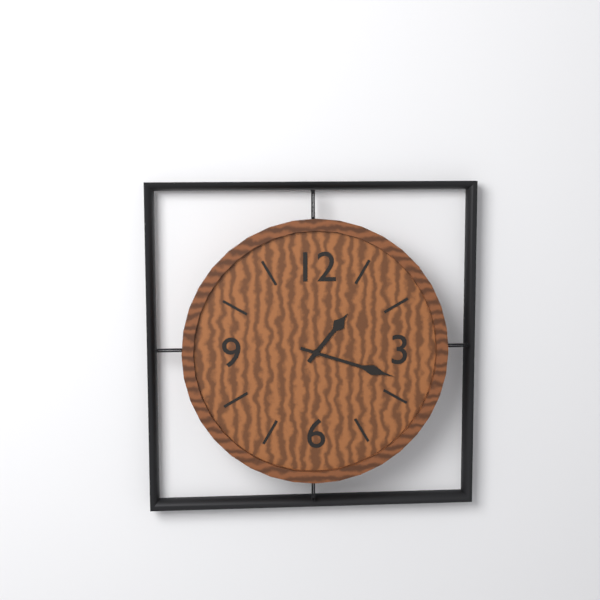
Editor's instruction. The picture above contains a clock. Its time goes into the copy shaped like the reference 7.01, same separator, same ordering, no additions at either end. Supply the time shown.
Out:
1.18
